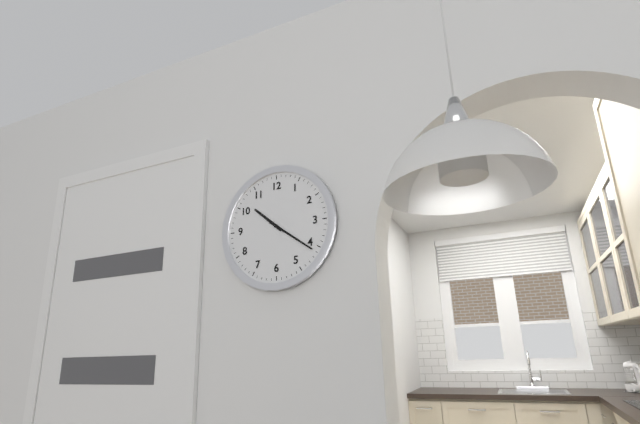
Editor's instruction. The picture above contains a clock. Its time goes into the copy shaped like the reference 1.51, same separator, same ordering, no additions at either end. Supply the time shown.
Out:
10.21
